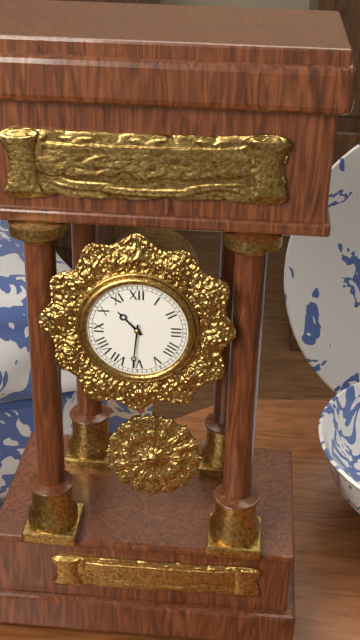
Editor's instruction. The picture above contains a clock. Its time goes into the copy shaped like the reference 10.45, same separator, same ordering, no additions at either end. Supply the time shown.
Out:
10.31
